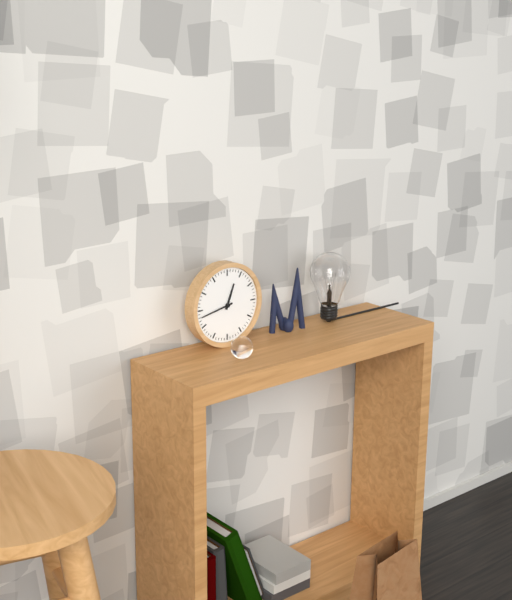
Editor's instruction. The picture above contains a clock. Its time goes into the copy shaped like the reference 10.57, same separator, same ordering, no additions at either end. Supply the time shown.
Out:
12.43
